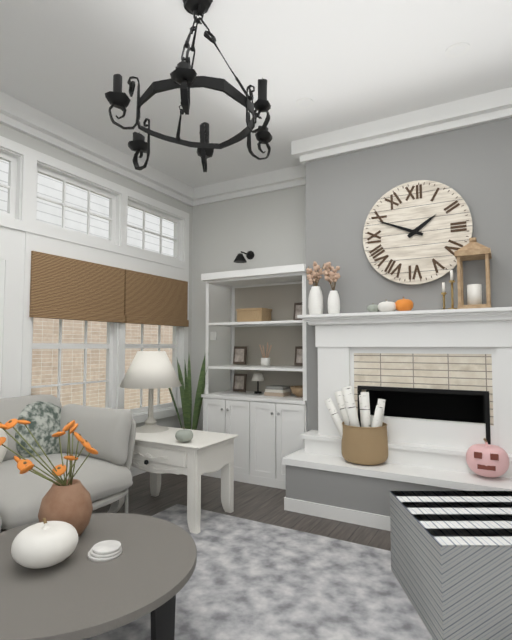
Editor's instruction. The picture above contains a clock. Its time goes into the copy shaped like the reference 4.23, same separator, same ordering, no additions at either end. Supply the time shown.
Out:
1.49
